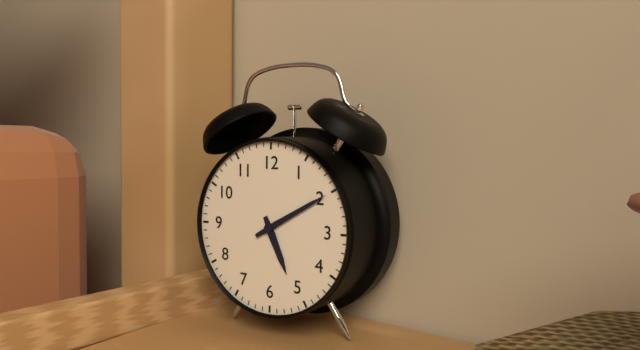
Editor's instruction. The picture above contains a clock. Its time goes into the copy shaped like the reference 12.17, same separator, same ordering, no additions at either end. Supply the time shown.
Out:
5.10
